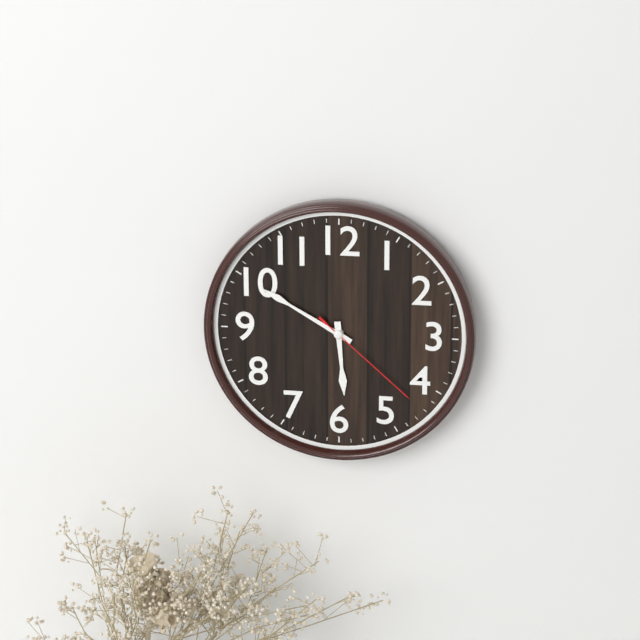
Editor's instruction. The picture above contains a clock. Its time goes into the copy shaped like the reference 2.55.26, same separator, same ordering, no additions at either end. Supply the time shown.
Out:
5.50.22
